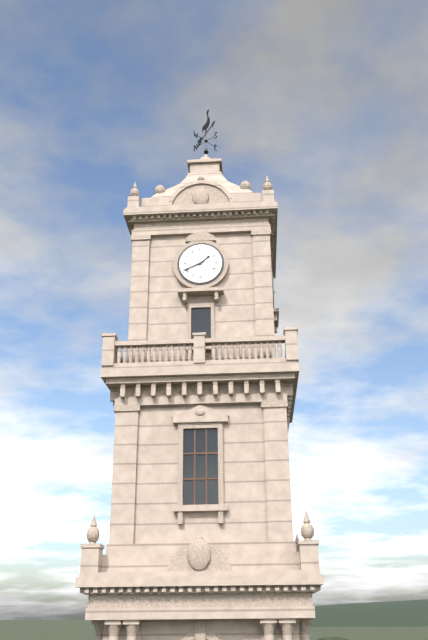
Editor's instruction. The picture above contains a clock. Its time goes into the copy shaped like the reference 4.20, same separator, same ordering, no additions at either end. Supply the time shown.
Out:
1.41
